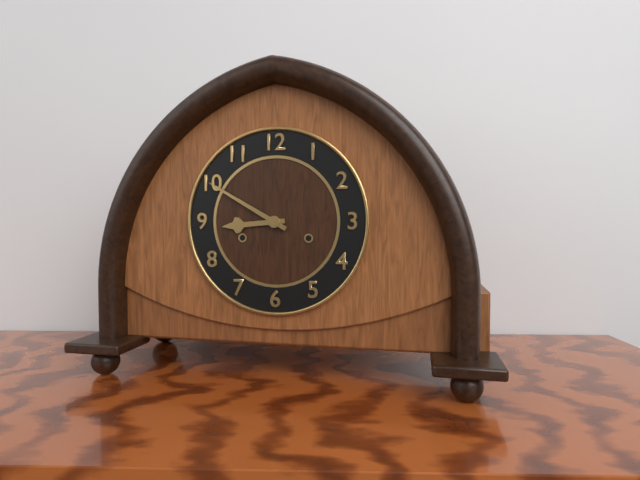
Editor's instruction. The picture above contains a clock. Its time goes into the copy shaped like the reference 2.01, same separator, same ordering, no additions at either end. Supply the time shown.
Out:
8.50
